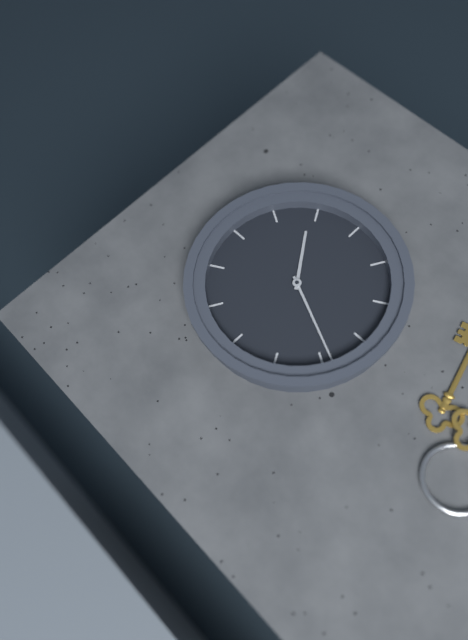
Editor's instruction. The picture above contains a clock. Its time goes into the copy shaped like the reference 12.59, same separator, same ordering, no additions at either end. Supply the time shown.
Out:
4.49
